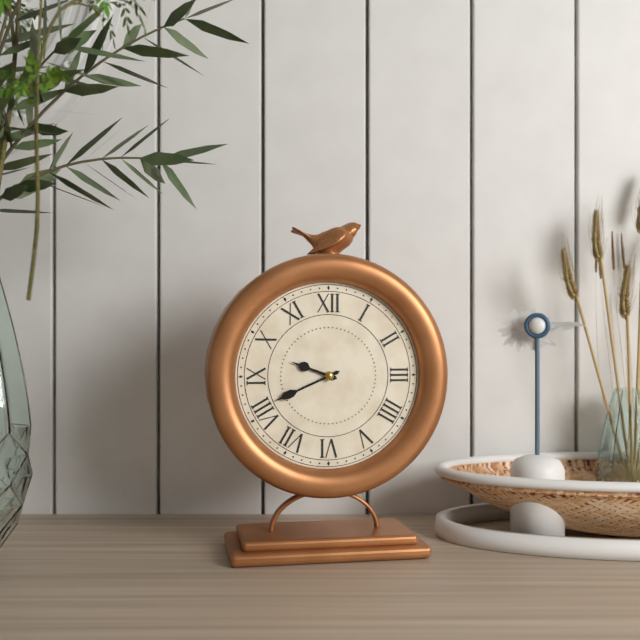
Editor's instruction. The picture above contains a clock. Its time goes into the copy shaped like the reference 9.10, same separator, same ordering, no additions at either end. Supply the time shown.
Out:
9.41
